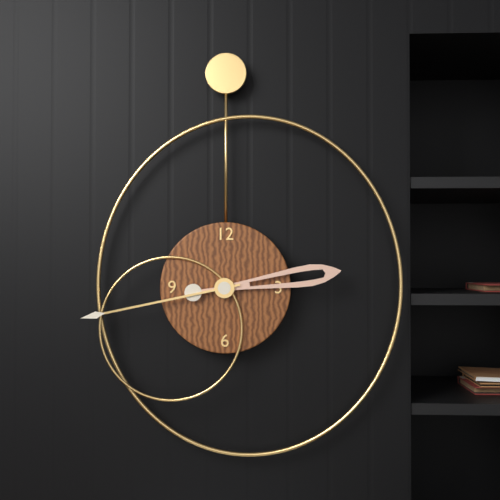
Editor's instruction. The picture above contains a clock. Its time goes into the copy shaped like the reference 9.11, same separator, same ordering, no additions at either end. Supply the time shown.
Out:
2.43
